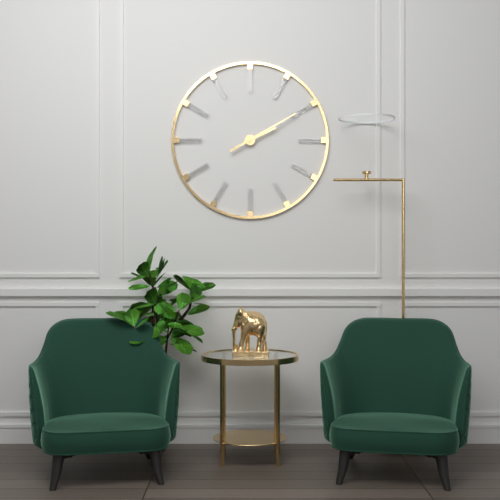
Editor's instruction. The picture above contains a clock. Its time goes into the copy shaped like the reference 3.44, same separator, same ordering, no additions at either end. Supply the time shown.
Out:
2.10
